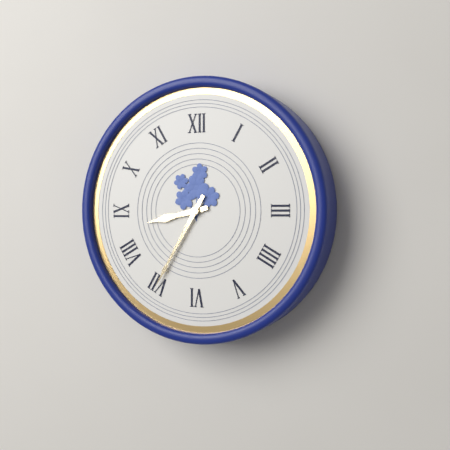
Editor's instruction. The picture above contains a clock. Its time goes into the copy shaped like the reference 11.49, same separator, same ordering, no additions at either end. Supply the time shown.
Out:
8.35
